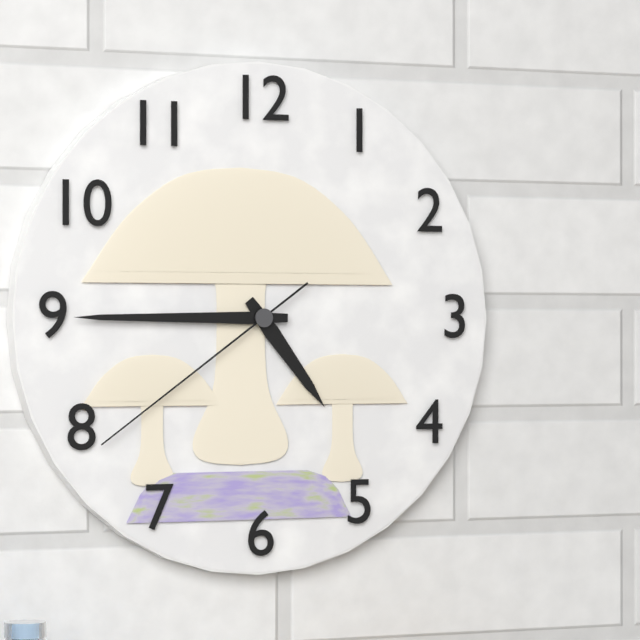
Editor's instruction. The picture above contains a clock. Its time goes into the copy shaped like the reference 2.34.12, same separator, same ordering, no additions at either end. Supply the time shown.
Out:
4.45.39
